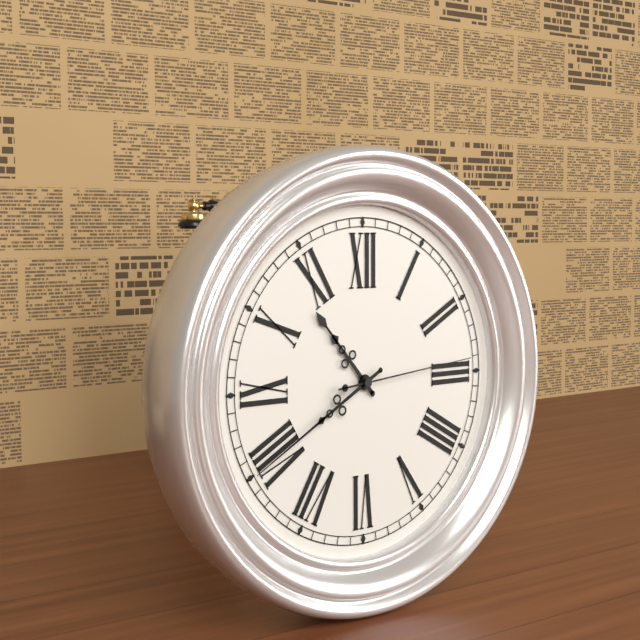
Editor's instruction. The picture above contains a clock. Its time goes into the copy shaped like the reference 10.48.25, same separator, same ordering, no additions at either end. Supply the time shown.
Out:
10.40.14
